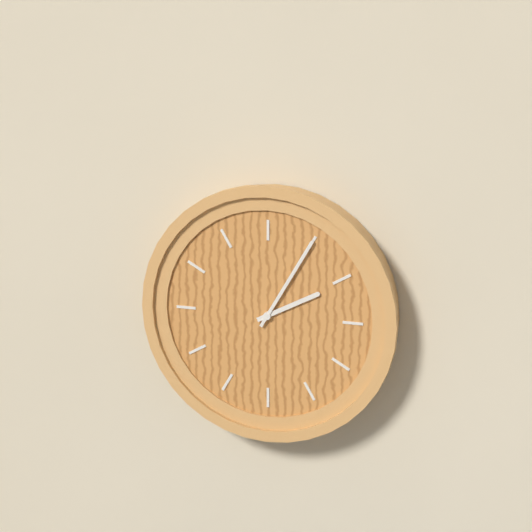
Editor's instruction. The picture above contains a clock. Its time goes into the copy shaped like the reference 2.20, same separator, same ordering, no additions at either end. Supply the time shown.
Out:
2.05
